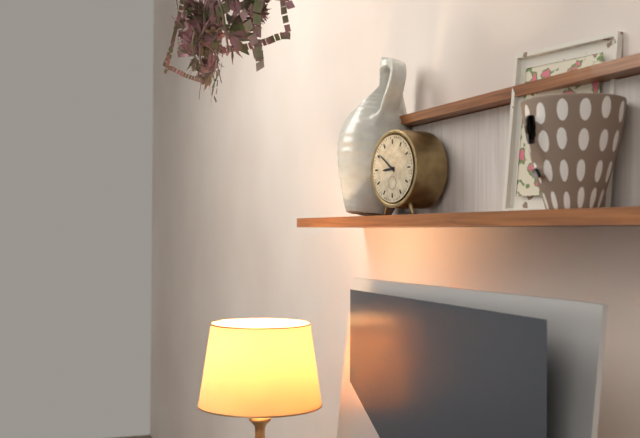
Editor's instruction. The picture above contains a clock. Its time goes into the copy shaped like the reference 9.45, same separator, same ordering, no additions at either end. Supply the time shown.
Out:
8.51
